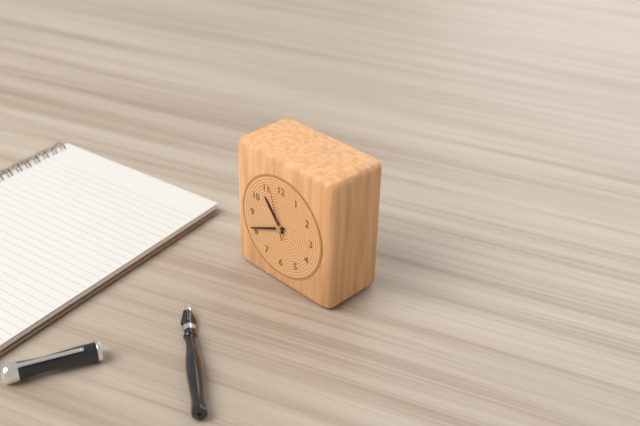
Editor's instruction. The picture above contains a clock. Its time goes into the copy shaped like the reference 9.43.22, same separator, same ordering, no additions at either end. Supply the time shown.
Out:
10.41.57
